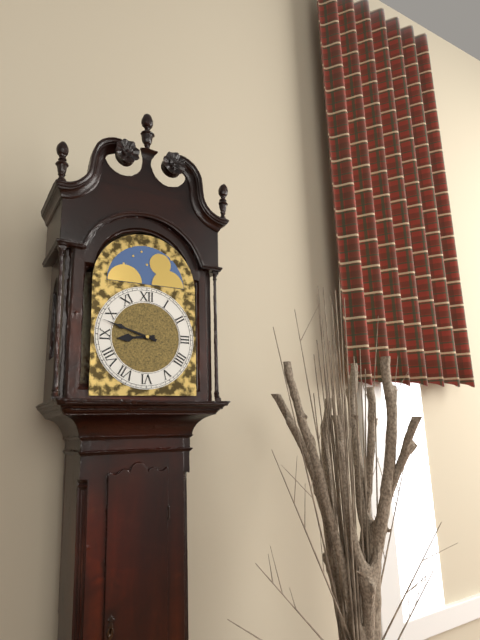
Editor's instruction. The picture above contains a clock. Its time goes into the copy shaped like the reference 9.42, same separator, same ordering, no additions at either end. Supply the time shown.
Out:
8.48
